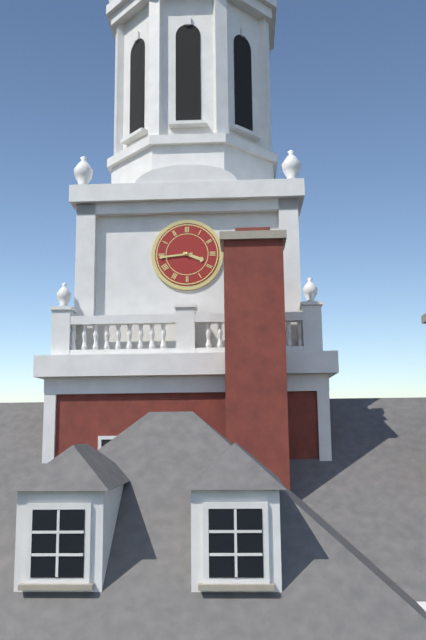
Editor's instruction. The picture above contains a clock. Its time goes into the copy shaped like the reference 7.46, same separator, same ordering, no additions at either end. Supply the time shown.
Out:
3.44
